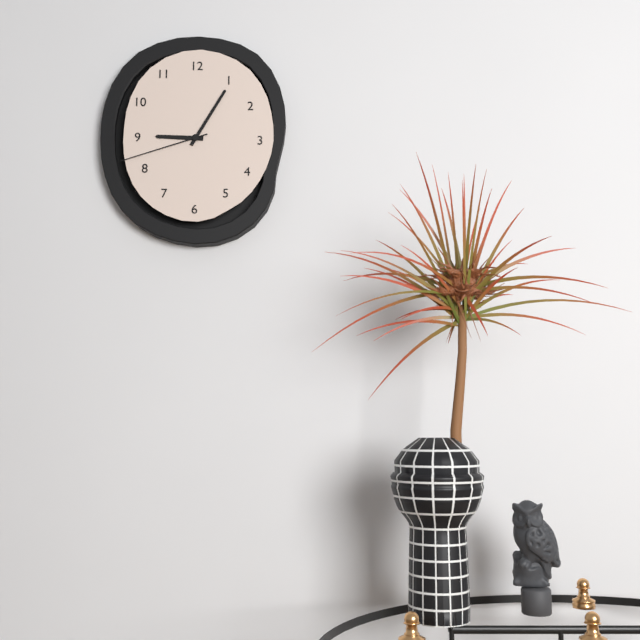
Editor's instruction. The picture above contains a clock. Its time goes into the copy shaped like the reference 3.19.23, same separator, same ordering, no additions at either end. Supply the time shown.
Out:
9.05.42
